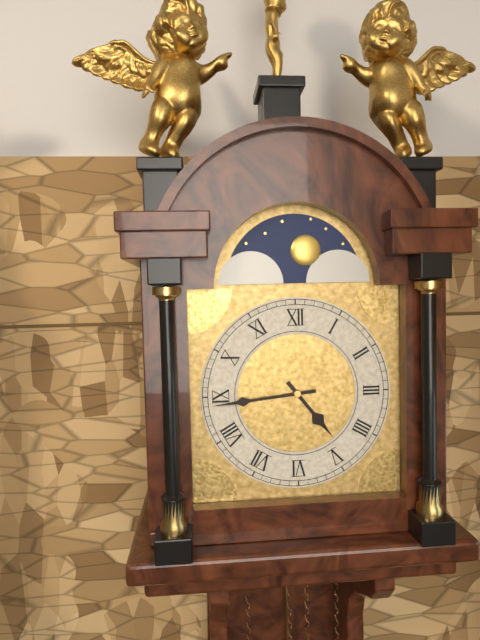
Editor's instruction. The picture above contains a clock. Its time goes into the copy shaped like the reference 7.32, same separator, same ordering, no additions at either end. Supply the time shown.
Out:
4.44
